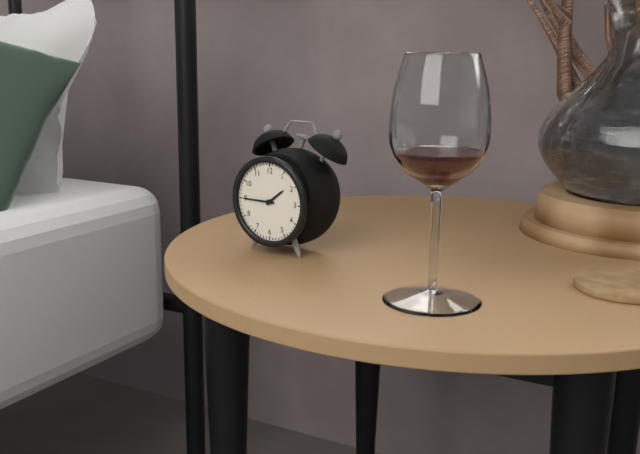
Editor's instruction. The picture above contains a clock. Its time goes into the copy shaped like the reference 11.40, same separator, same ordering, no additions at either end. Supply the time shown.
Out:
1.45
